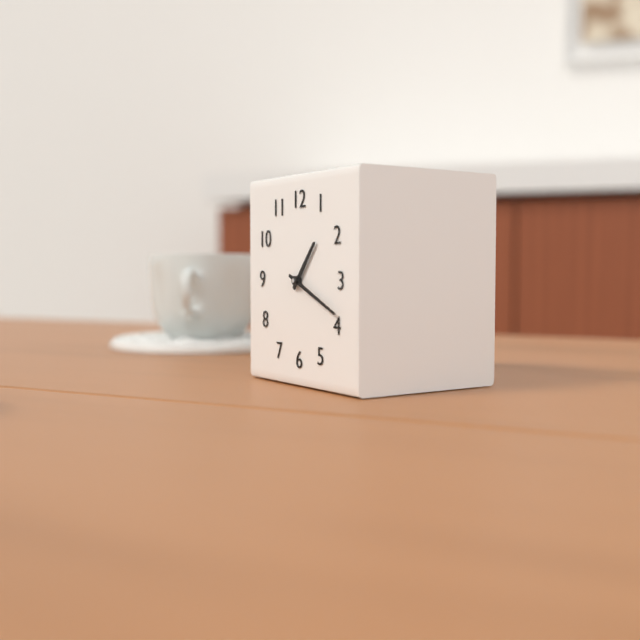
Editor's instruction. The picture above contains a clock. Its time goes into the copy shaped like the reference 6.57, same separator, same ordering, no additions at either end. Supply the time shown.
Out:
1.19
